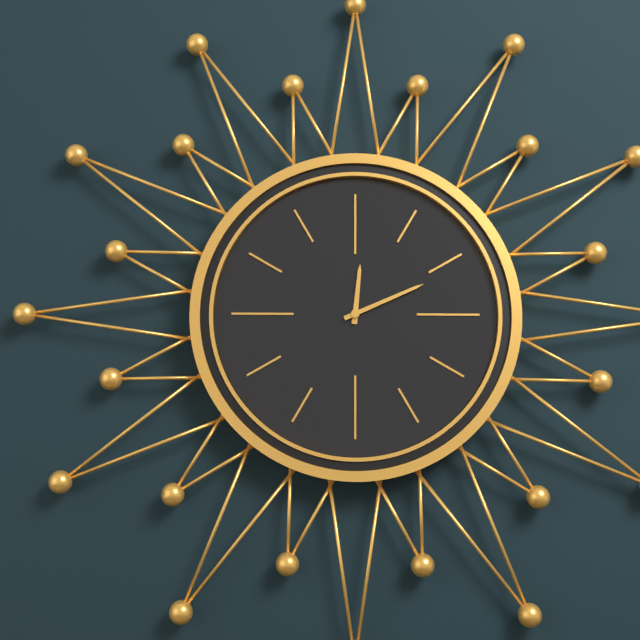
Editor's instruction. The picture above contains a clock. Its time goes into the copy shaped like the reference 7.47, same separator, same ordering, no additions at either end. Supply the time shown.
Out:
12.11
